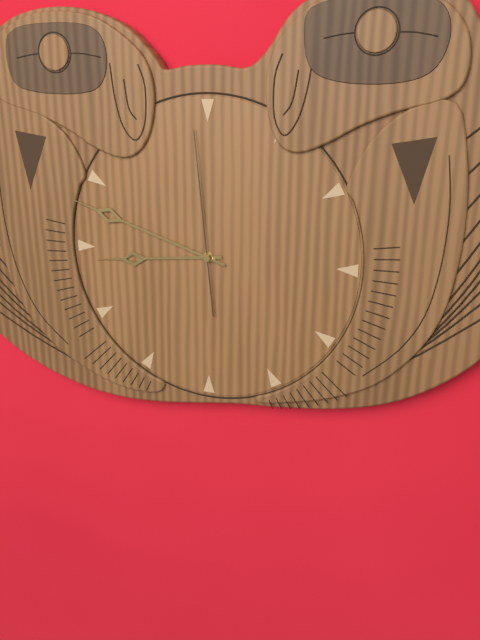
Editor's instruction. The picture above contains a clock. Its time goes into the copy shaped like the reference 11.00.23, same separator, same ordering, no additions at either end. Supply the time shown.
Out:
8.48.59
